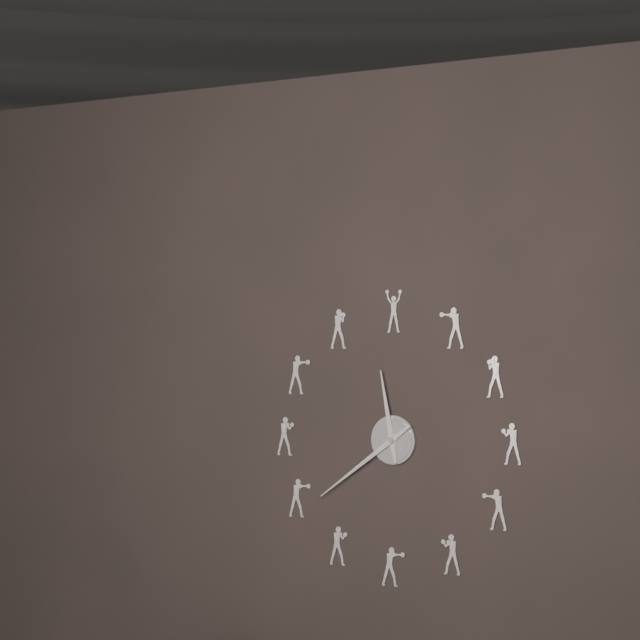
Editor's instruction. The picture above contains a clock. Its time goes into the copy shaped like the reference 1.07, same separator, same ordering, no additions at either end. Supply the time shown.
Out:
11.39
